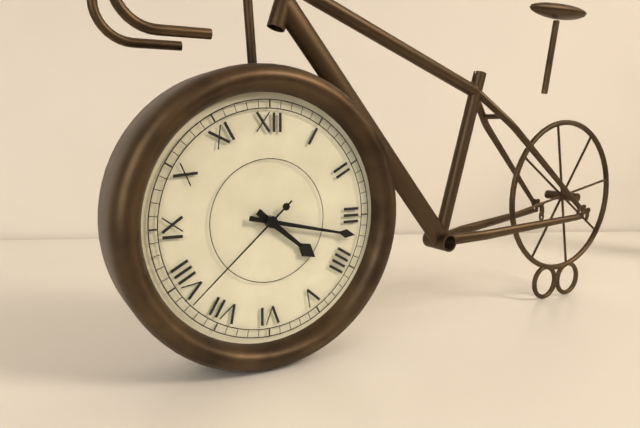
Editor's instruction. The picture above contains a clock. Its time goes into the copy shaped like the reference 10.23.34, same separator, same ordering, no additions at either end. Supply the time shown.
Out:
4.17.38
